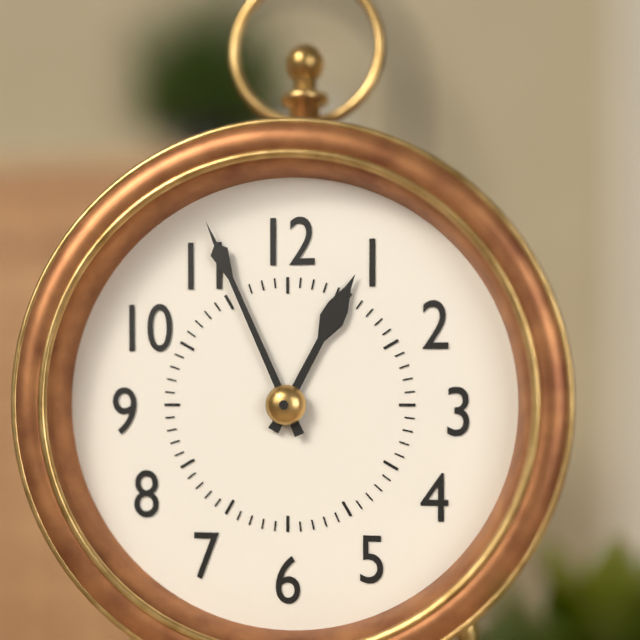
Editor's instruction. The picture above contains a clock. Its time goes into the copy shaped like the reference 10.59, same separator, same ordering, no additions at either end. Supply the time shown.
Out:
12.56
